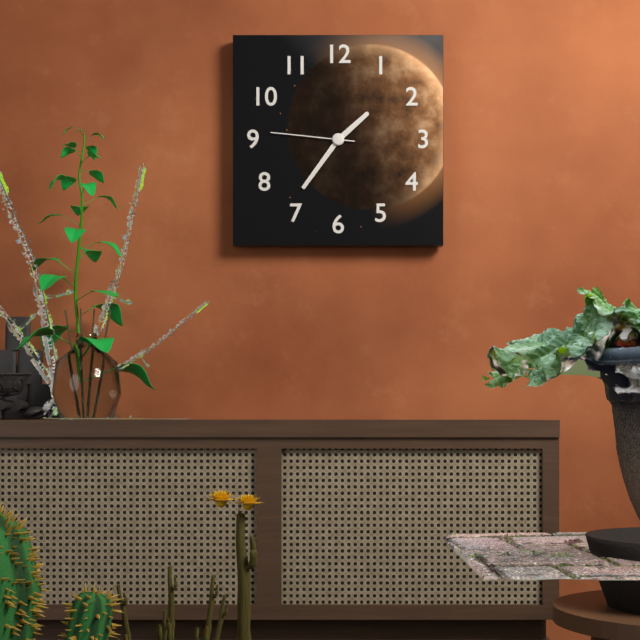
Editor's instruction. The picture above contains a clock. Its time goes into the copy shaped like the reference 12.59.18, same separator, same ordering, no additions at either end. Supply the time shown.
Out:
1.36.46
